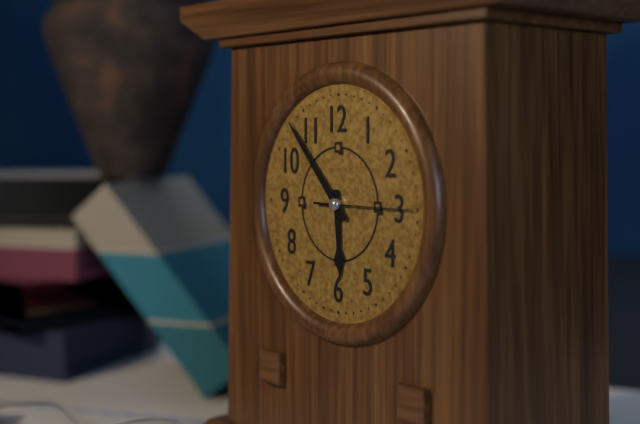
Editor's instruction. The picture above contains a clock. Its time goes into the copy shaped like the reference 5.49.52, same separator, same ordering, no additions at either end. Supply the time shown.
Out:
5.53.15
